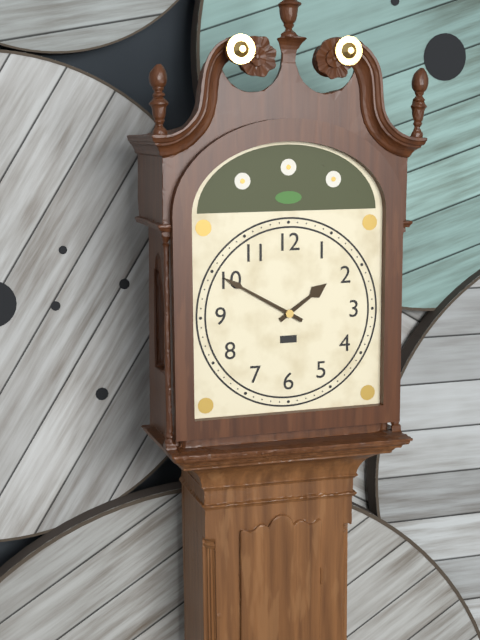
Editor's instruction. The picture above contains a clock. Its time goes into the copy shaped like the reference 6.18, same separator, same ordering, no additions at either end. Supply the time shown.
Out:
1.50
